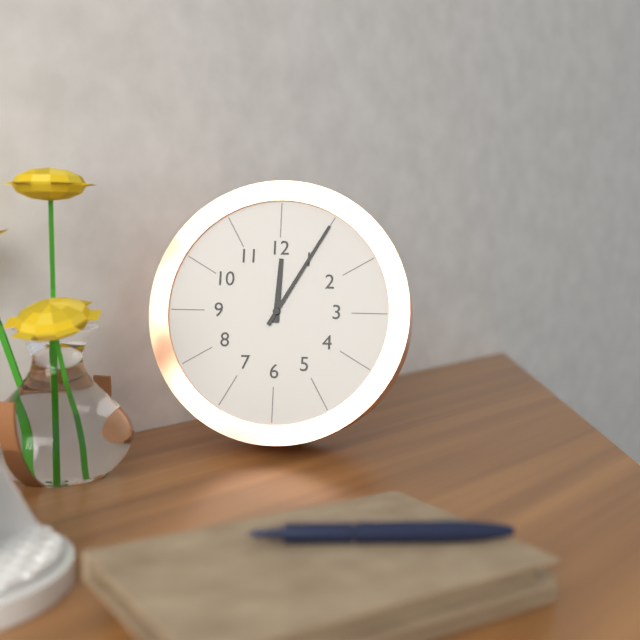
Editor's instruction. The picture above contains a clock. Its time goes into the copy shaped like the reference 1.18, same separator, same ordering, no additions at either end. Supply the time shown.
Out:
12.05
